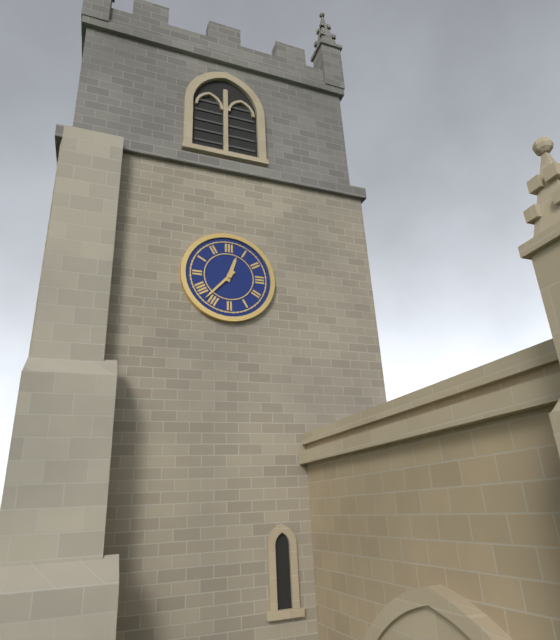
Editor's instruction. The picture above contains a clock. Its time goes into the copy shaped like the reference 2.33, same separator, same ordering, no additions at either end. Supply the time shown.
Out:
12.37
